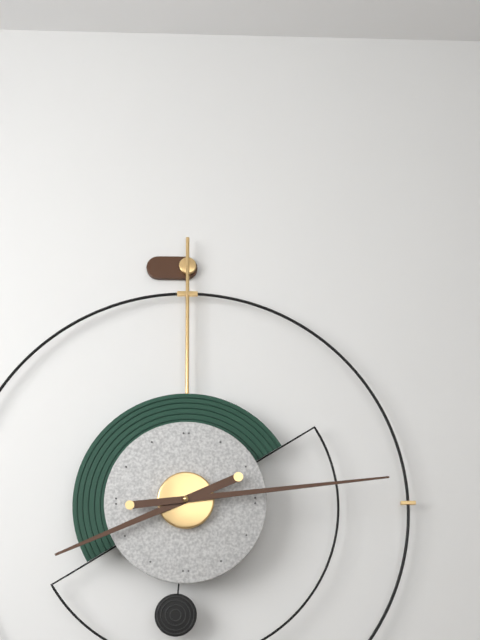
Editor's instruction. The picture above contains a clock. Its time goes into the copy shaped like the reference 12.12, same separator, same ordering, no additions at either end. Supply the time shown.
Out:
8.14
